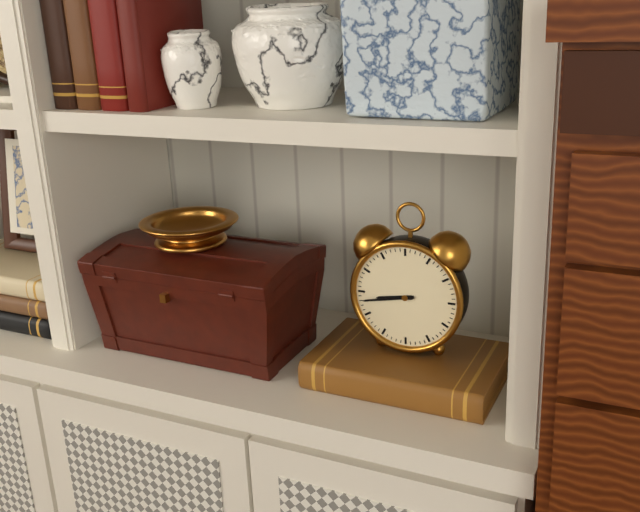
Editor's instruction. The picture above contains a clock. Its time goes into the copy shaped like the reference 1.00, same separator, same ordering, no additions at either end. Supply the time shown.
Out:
8.43
